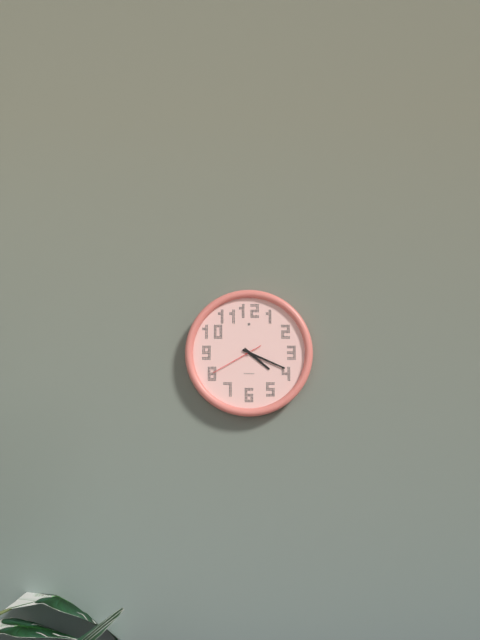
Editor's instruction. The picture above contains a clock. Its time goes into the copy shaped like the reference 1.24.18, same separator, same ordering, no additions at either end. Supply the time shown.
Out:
4.19.40
